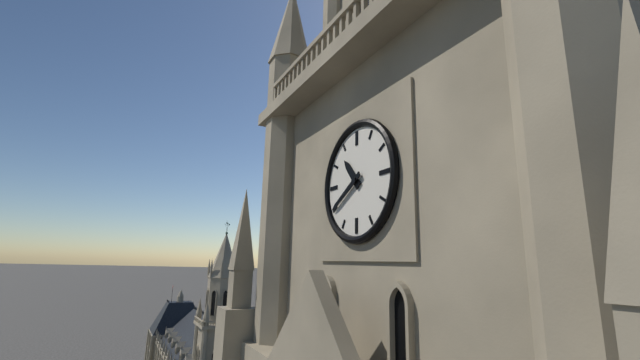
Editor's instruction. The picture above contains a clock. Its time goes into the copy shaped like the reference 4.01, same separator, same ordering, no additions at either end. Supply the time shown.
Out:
10.40
